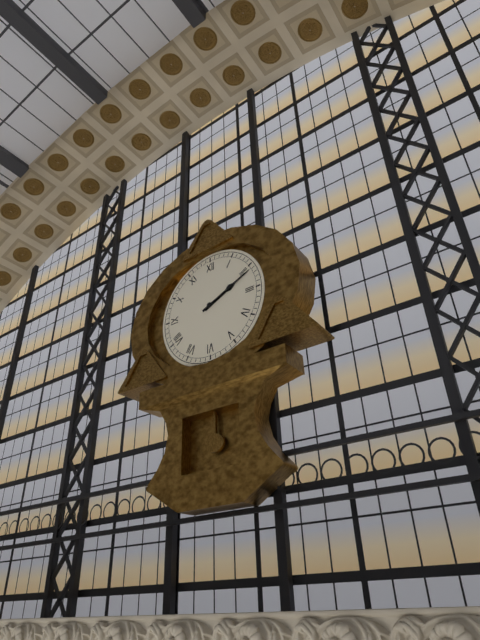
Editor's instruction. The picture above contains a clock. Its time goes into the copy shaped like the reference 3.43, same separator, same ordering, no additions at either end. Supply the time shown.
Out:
2.11
